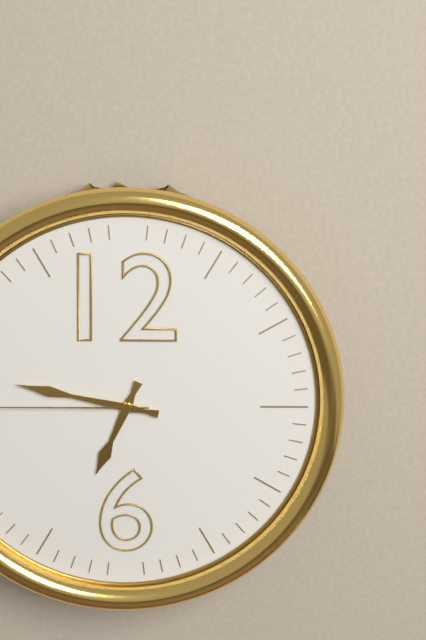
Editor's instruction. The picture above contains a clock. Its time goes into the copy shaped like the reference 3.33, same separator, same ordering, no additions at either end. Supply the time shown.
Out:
6.47
